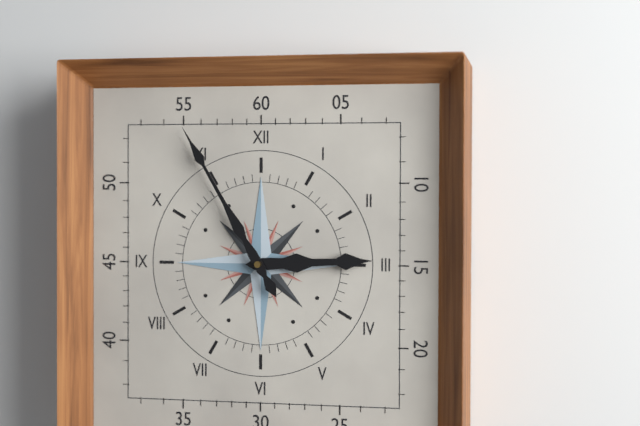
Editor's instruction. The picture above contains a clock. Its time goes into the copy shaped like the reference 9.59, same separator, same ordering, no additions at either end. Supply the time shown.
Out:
2.55
